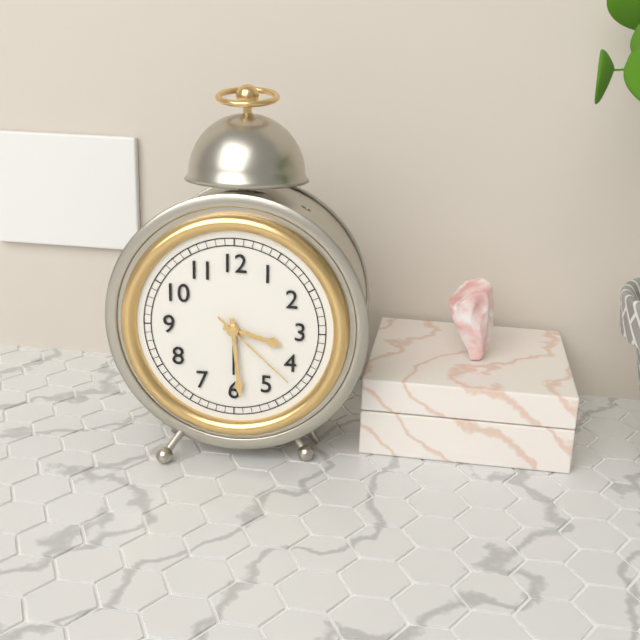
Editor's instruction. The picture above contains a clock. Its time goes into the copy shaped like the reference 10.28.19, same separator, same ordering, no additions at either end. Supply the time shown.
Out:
3.29.22
